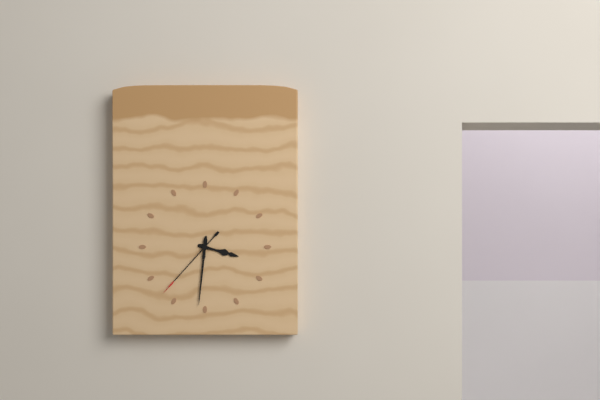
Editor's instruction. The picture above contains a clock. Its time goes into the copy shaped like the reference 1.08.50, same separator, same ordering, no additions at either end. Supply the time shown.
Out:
3.31.37
